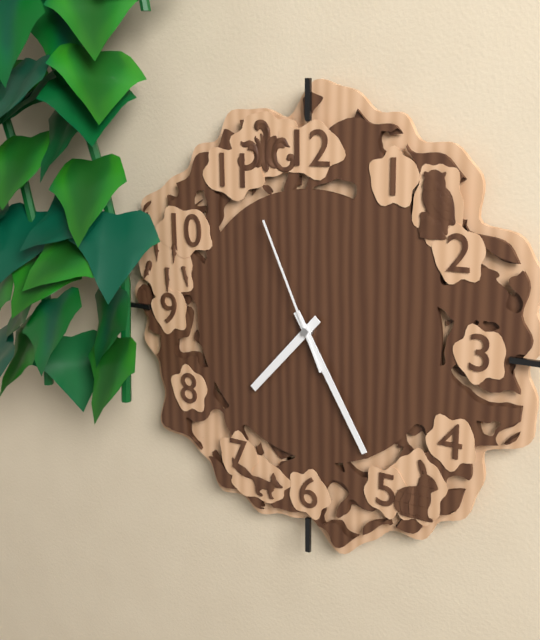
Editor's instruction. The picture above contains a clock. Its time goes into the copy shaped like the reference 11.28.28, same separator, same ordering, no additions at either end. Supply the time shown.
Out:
7.25.56
